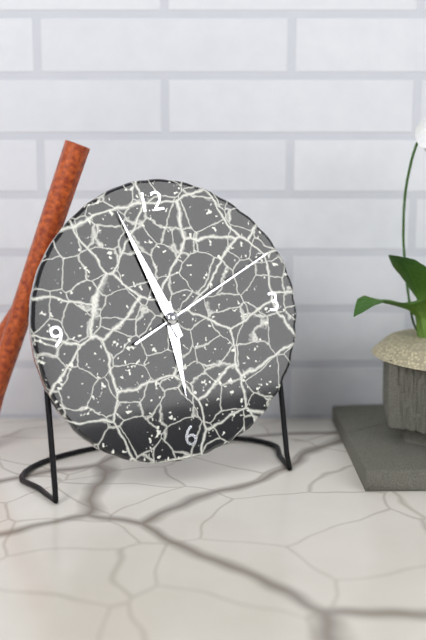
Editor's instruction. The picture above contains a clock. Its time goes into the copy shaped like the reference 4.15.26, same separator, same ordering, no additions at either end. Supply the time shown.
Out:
5.57.11
